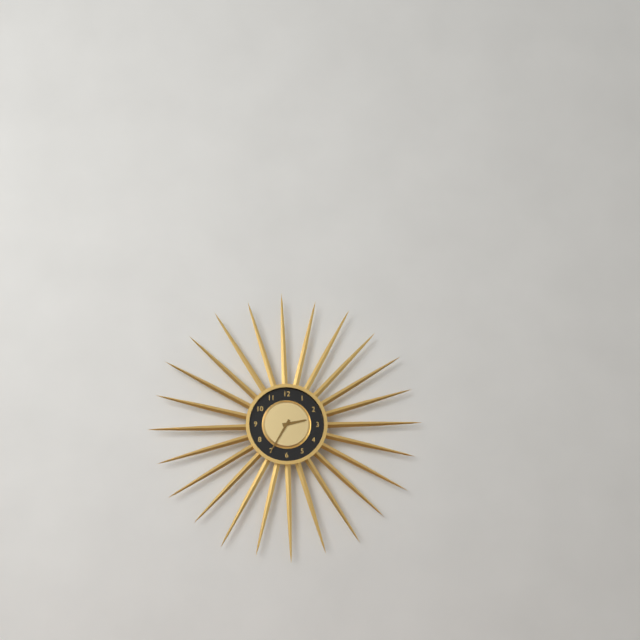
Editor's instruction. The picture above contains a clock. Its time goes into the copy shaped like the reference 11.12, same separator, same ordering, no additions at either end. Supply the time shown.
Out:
2.35
